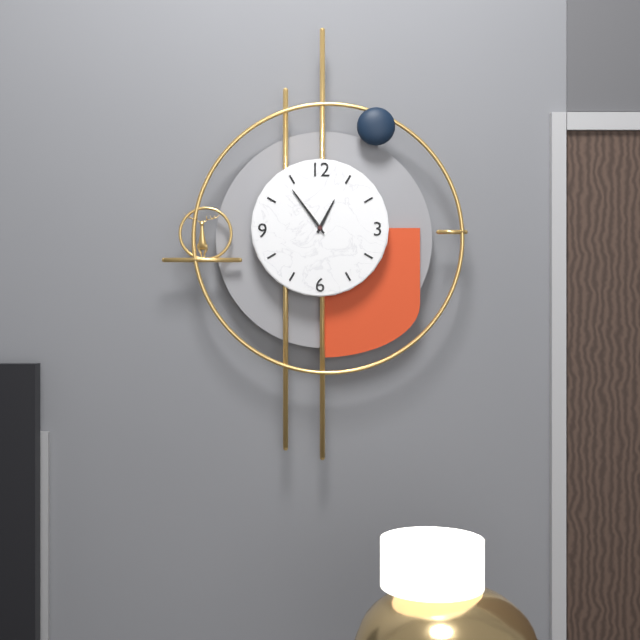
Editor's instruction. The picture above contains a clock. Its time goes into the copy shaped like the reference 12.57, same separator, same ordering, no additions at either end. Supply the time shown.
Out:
12.54
